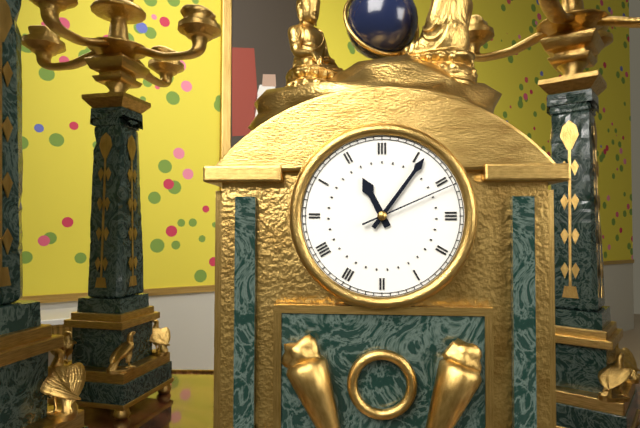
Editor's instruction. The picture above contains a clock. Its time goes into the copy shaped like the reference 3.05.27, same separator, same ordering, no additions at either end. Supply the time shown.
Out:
11.06.11
